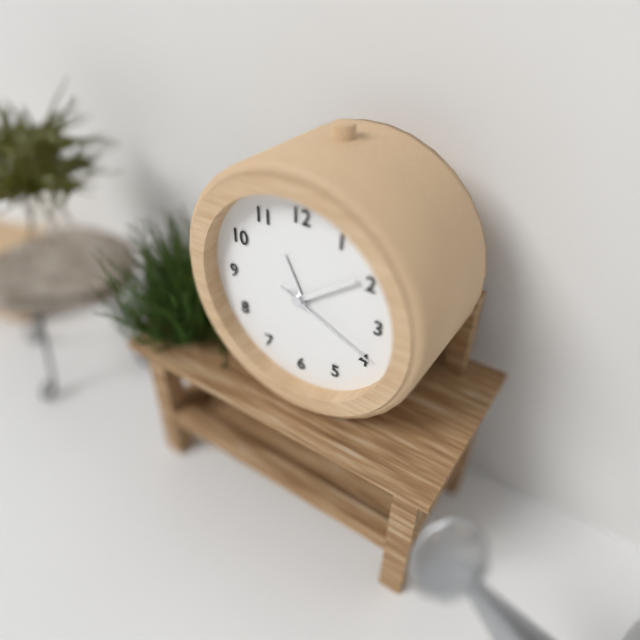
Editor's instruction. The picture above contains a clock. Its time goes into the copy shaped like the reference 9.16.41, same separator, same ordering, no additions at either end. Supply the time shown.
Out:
11.09.19
